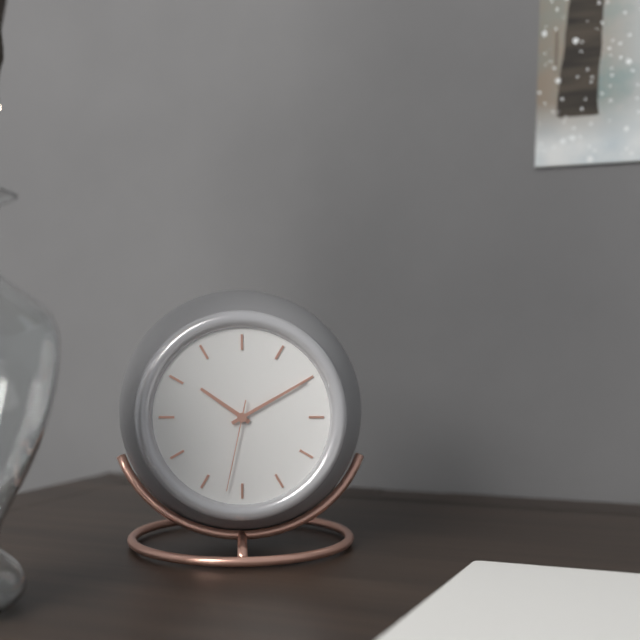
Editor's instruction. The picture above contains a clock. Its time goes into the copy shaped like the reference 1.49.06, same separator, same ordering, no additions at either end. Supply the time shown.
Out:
10.10.32
